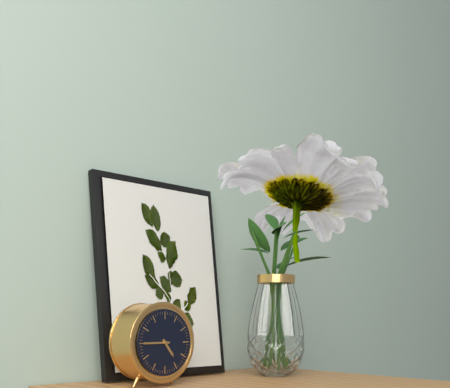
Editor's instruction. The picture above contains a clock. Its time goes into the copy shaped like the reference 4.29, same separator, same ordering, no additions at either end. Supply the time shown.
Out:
4.45
